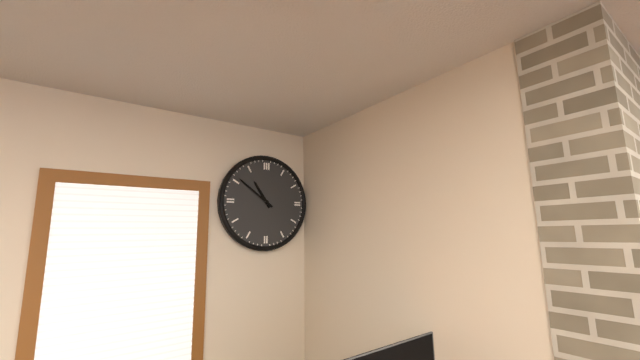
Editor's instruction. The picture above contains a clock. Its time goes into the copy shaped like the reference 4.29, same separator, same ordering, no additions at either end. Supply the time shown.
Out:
10.51
